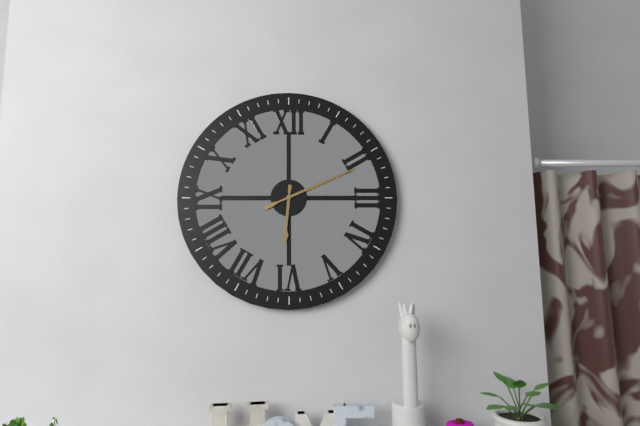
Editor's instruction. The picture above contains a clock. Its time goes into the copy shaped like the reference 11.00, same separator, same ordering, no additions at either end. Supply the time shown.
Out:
6.11
